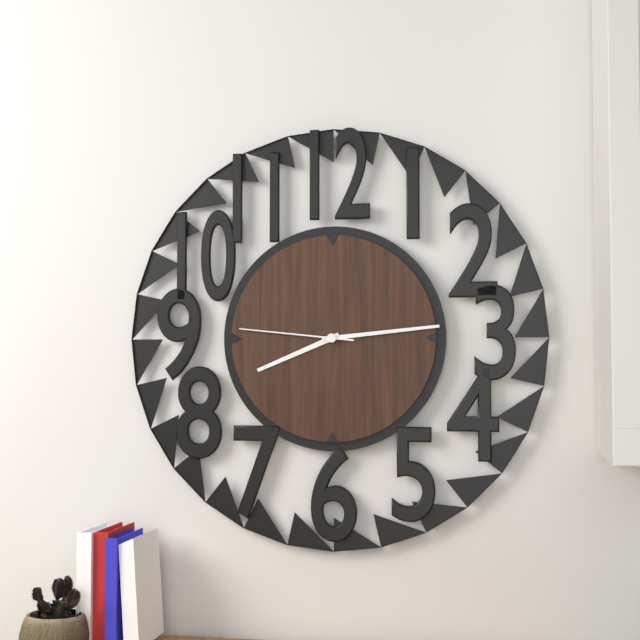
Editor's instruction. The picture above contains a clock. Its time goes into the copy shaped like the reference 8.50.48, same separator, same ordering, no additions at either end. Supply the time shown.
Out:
8.14.46
